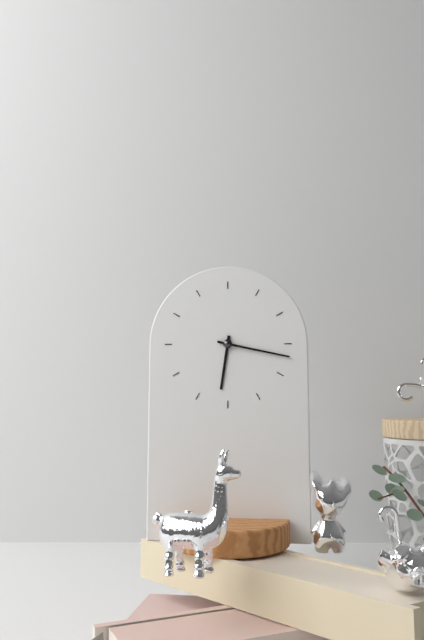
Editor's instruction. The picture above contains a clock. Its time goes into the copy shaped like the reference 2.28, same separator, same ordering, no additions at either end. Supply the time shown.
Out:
6.17
